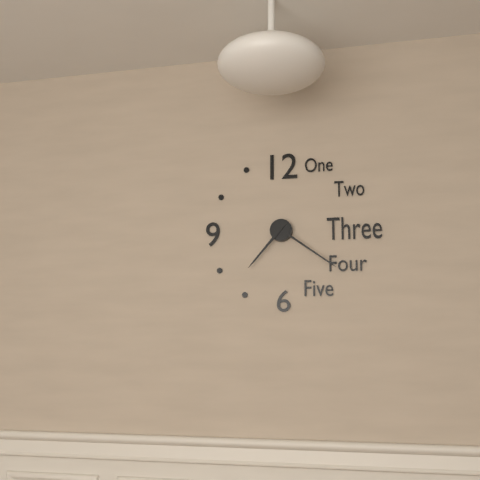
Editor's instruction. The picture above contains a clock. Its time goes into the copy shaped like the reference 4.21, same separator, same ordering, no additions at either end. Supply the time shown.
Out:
7.21
